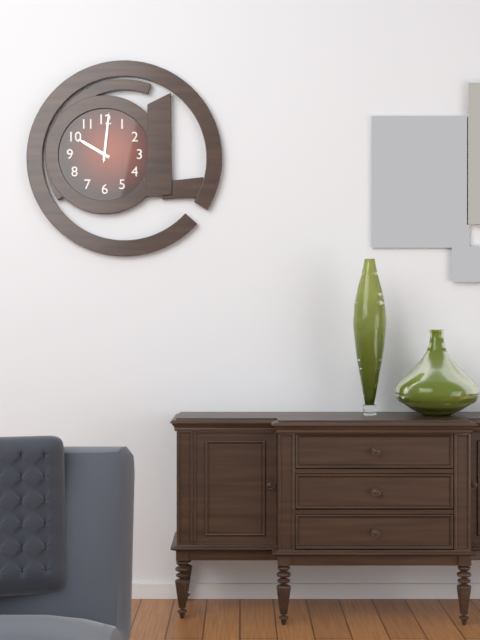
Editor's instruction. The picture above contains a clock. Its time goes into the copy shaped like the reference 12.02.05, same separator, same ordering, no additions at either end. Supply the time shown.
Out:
10.01.01
